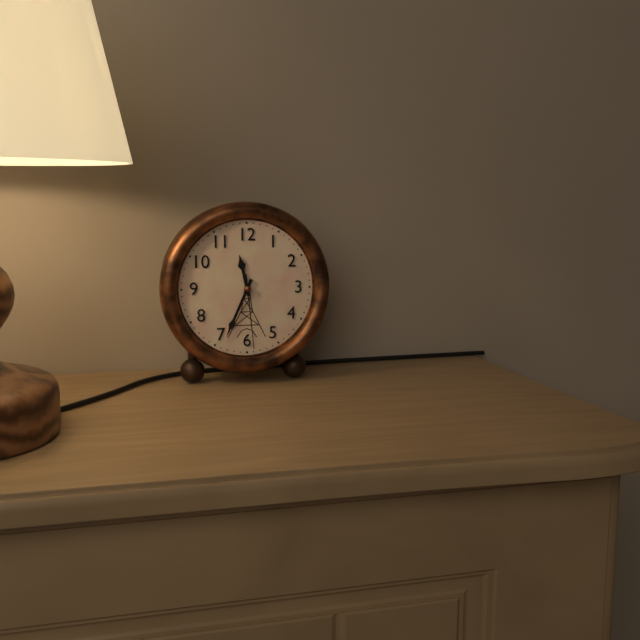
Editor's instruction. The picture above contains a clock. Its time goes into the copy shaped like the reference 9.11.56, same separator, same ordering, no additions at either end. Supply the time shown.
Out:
11.34.29
